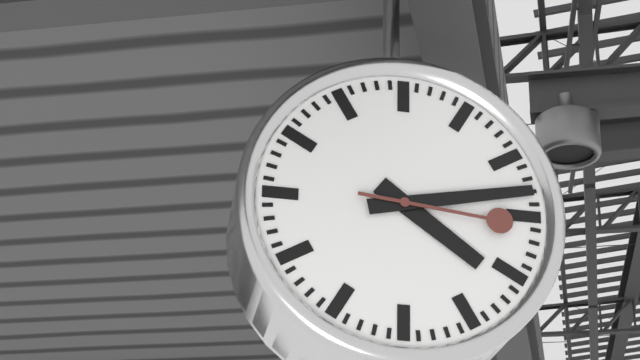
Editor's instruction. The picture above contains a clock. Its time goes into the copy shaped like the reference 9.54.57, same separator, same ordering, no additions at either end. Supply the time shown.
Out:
4.13.16
